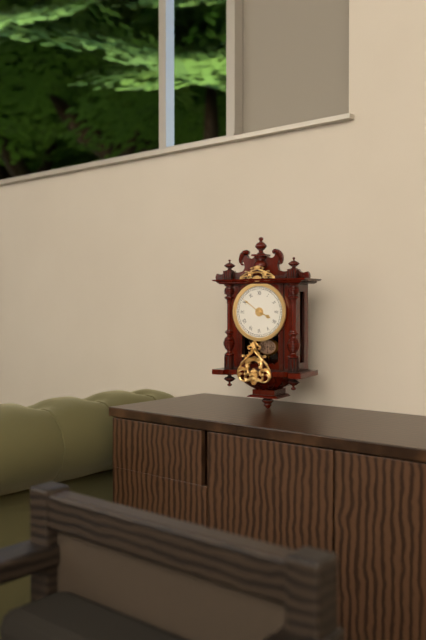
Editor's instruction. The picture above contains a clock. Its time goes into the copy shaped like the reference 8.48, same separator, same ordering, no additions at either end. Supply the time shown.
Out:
3.51
